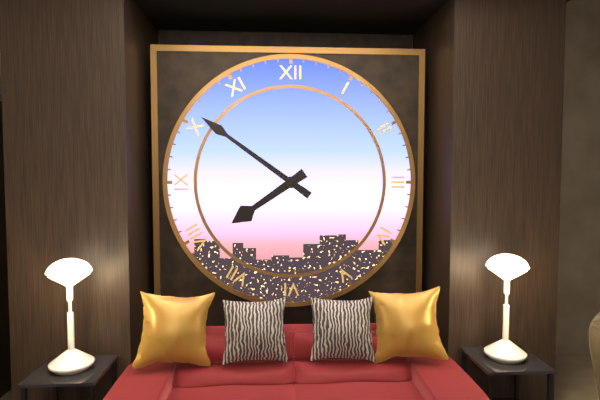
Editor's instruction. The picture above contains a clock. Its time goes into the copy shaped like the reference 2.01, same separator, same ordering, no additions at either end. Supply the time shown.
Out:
7.51
